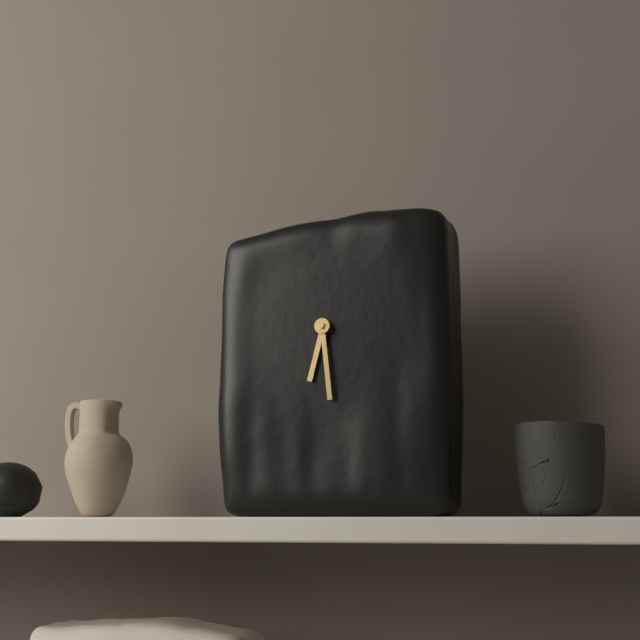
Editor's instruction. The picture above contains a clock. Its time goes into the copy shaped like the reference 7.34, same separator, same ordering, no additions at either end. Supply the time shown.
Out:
6.29
